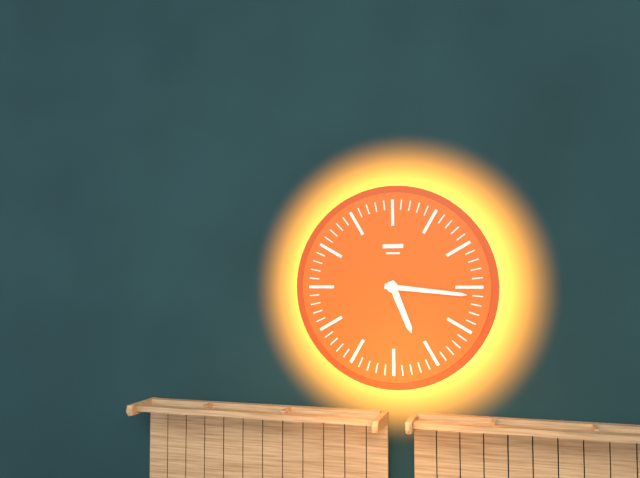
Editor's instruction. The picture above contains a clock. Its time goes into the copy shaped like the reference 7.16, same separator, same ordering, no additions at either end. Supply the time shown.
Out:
5.16
